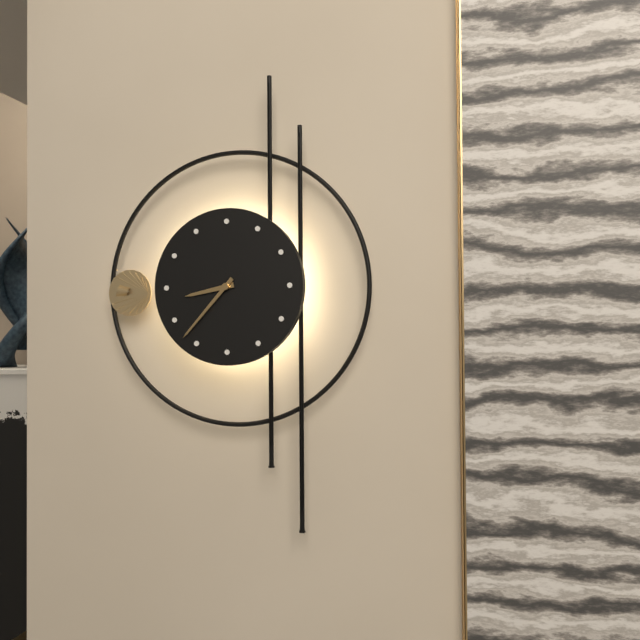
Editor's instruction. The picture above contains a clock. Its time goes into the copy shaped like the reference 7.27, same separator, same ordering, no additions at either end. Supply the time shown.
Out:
8.37
